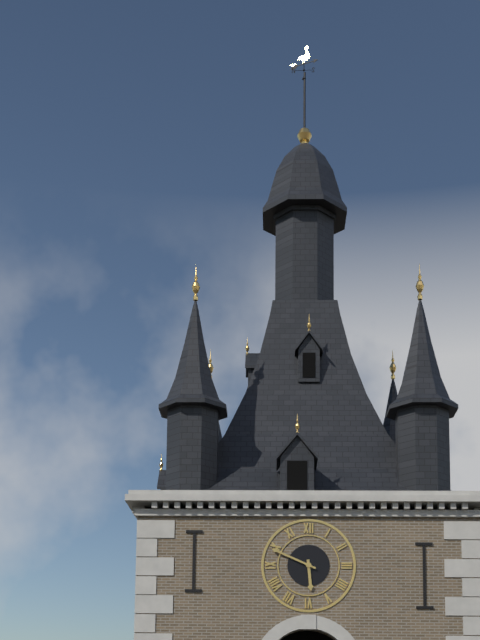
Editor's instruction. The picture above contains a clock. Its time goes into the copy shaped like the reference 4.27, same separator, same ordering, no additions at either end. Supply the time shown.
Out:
5.49
